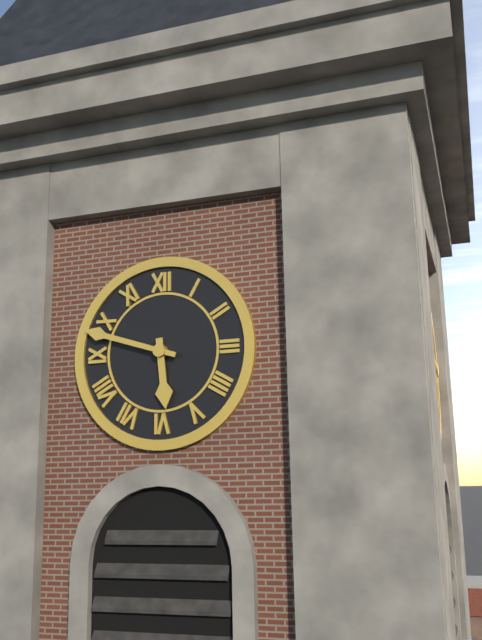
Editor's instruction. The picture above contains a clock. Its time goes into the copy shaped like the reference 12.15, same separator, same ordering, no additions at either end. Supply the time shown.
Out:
5.48
